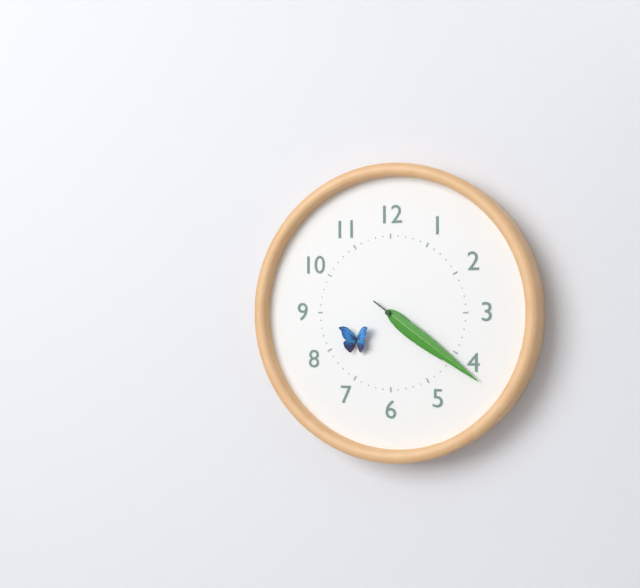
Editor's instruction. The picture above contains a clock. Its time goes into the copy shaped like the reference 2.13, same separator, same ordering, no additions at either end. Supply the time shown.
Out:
4.21
